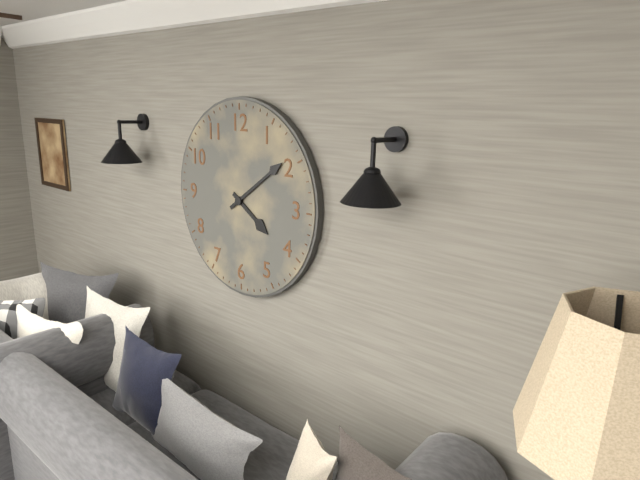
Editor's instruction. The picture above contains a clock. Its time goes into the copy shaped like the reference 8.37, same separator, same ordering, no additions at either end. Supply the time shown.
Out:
4.09
